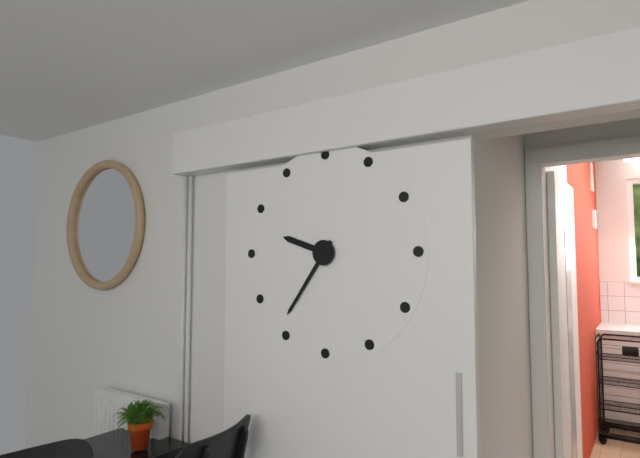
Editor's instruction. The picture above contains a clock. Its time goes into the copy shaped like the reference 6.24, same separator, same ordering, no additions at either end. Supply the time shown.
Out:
9.36
